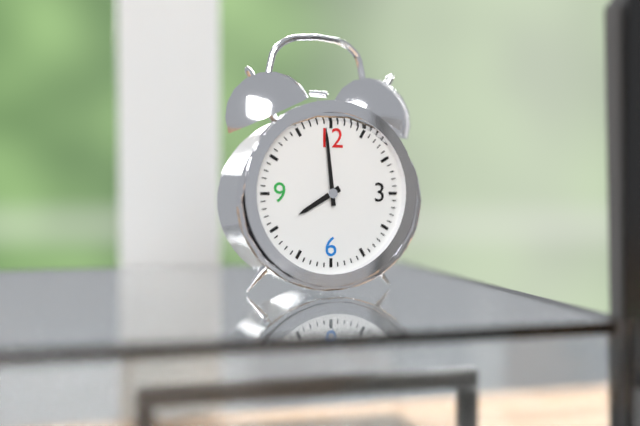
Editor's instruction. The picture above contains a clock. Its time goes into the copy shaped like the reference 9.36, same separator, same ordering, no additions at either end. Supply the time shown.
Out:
7.59
